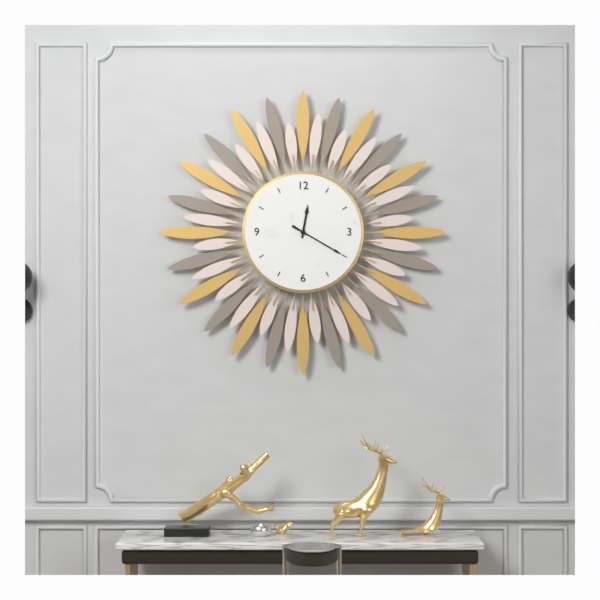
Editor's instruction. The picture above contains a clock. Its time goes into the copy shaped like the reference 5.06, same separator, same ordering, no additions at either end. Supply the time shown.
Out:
12.20
